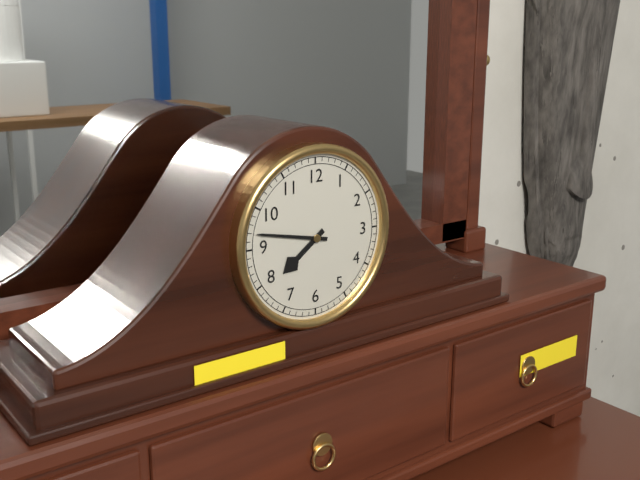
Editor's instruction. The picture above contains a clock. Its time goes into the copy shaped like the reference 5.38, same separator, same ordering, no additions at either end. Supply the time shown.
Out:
7.47
